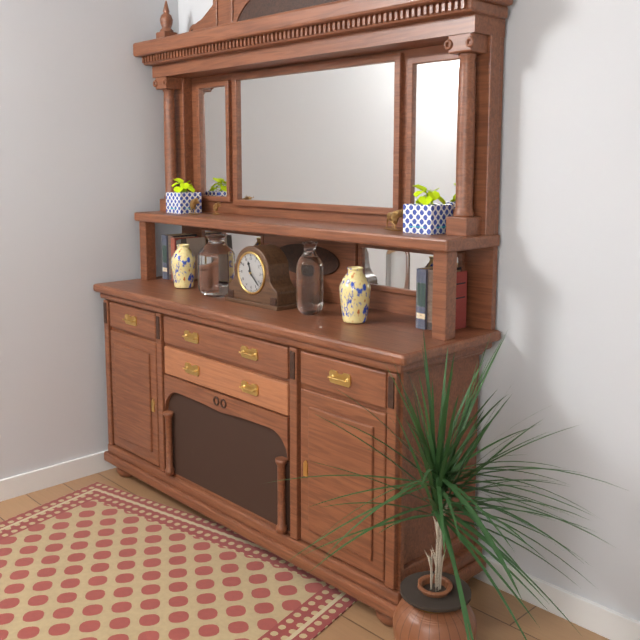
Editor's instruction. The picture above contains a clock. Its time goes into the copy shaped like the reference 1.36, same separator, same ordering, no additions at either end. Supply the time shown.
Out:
11.22
